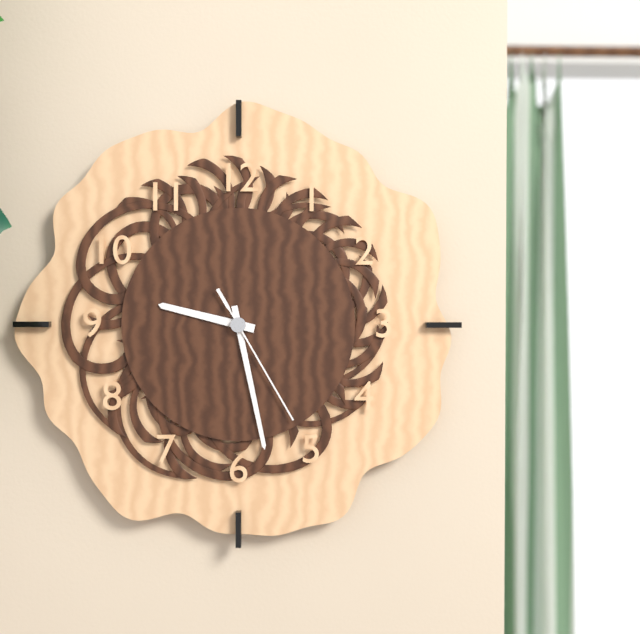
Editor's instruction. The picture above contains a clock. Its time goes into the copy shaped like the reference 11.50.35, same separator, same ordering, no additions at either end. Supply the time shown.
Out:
9.28.25
